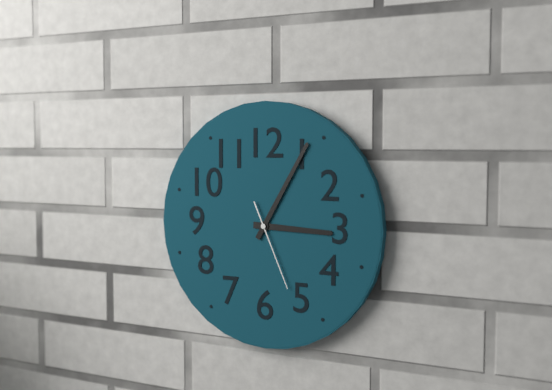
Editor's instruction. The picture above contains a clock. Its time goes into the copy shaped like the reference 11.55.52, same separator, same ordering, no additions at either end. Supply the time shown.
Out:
3.05.26
